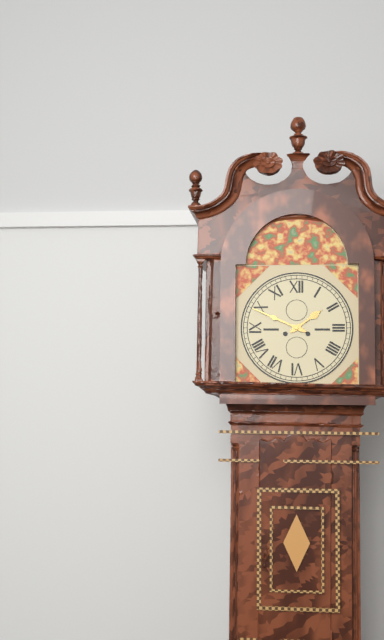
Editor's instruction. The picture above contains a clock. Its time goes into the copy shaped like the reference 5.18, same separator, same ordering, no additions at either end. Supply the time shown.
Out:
1.49
